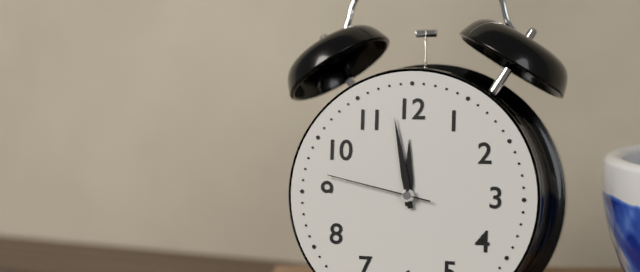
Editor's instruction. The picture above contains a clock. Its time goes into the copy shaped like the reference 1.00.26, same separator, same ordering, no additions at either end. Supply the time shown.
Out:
11.58.47
